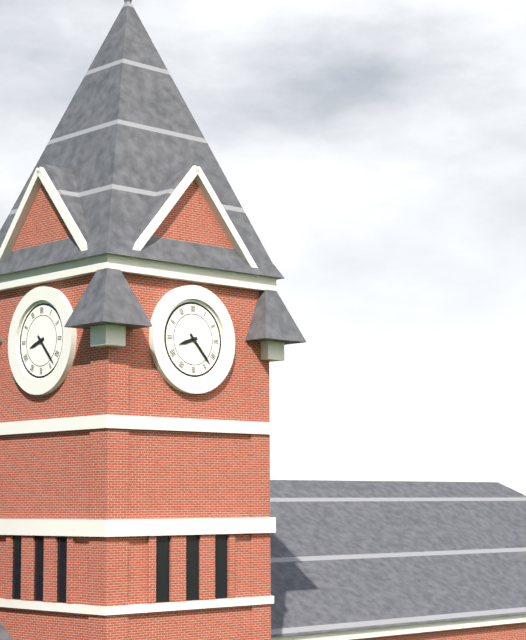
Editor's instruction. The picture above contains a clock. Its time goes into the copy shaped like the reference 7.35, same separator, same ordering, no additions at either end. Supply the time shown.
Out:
8.23
